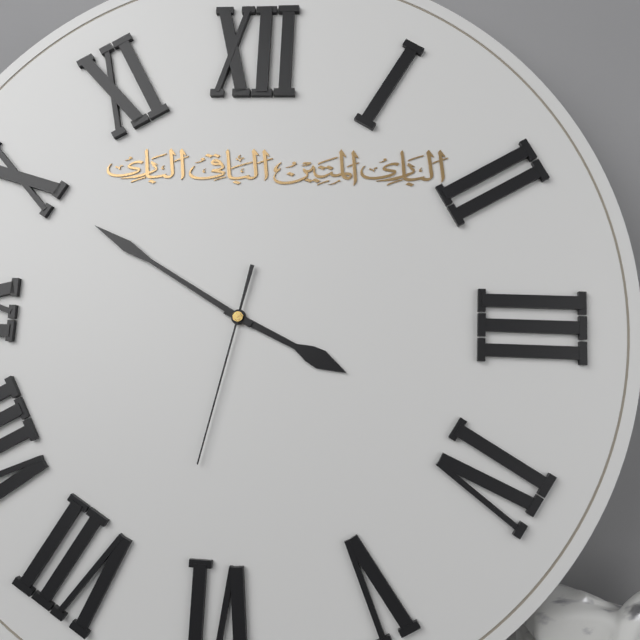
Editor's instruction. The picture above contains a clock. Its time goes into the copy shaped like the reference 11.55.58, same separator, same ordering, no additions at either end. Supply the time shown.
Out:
3.50.32
